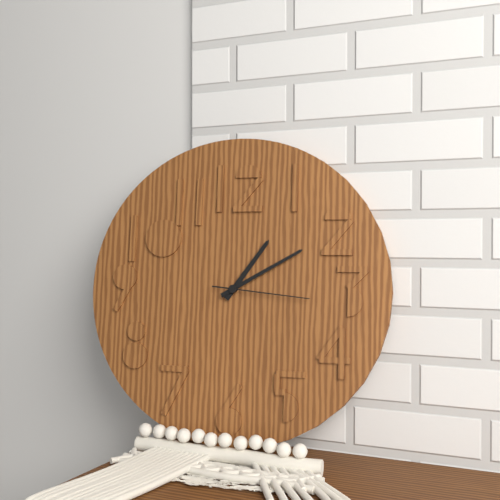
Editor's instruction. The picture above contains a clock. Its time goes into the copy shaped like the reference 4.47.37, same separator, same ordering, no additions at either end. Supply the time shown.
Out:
1.10.16
